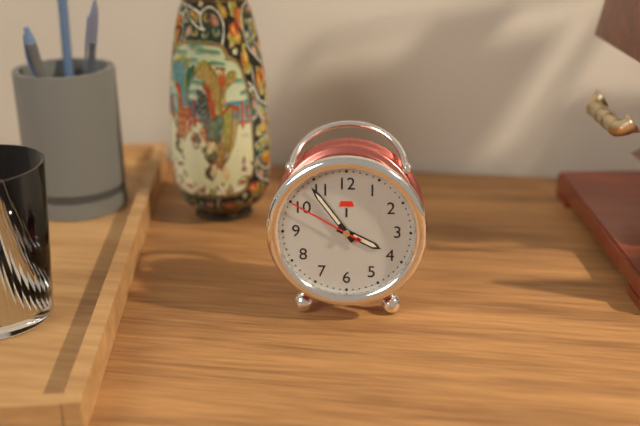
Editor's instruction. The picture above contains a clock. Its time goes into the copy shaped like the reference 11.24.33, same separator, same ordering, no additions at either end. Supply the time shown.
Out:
3.54.50
